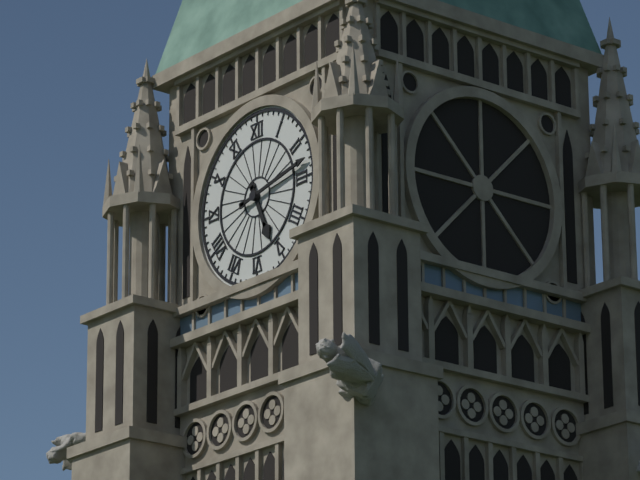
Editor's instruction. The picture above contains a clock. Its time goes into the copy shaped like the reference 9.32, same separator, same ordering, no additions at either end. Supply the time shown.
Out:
5.13
